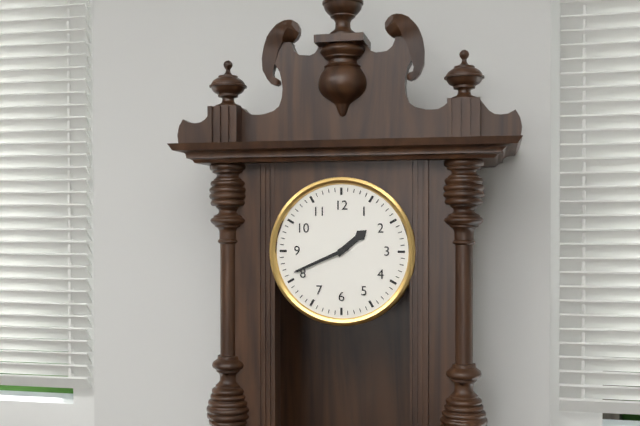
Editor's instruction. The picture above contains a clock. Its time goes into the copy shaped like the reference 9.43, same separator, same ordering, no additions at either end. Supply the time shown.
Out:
1.41
